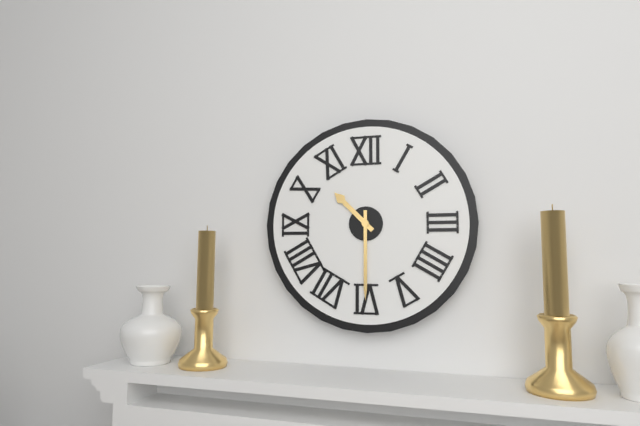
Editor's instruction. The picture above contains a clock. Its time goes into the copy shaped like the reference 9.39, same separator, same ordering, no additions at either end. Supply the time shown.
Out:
10.30
